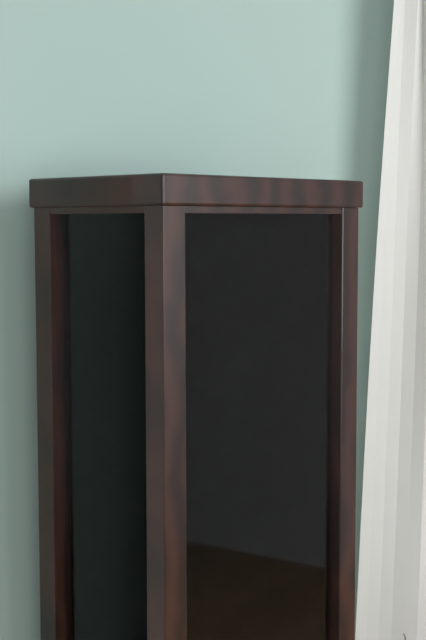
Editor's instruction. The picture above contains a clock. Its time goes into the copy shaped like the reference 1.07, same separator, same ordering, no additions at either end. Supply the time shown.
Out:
1.19
